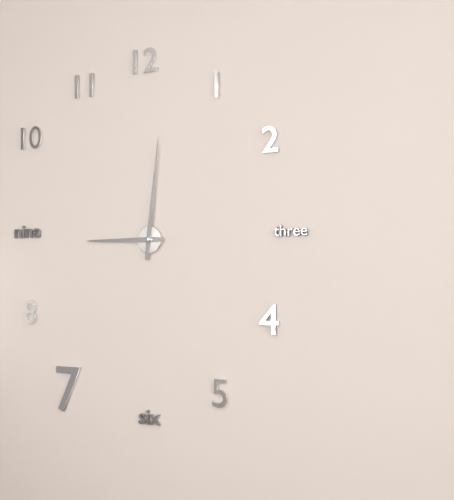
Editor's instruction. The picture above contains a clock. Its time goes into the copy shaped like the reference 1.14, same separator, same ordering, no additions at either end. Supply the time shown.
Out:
9.01
